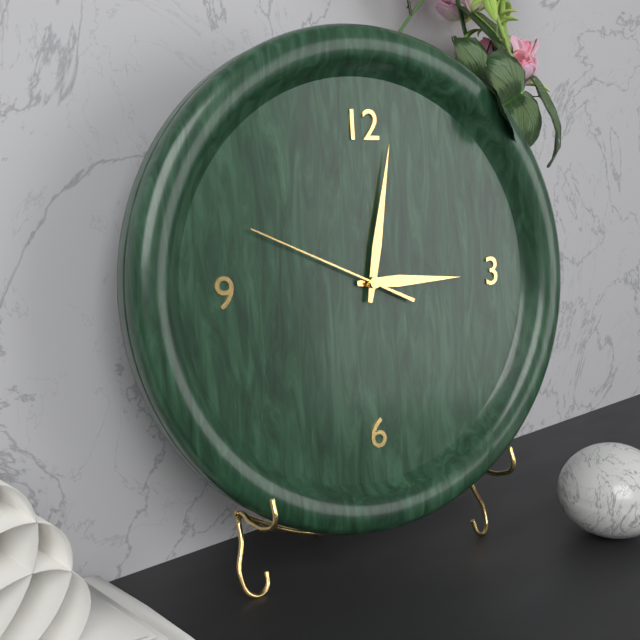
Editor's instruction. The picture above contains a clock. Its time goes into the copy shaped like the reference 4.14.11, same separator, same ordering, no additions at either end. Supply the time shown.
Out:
3.02.49
